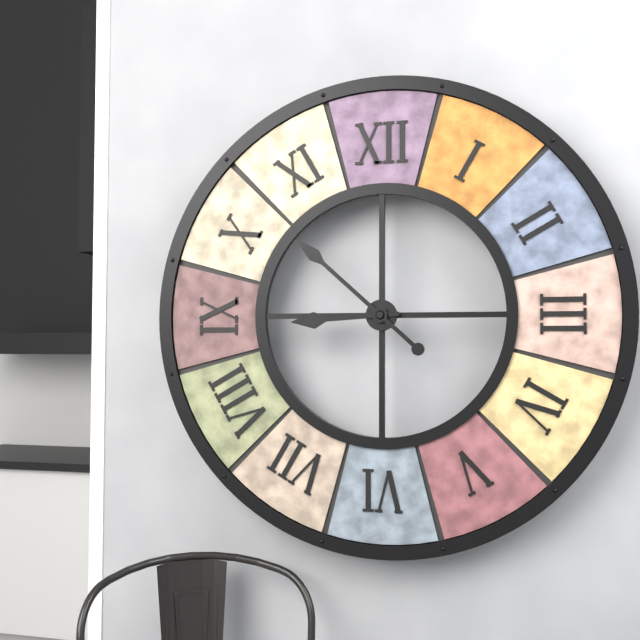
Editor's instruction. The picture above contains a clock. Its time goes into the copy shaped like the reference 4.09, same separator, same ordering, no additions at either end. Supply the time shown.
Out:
8.52
